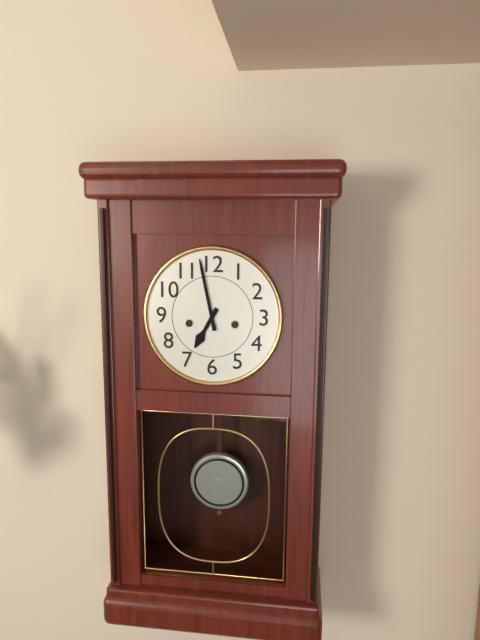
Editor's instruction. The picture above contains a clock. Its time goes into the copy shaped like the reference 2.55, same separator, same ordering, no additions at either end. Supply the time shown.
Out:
6.58
